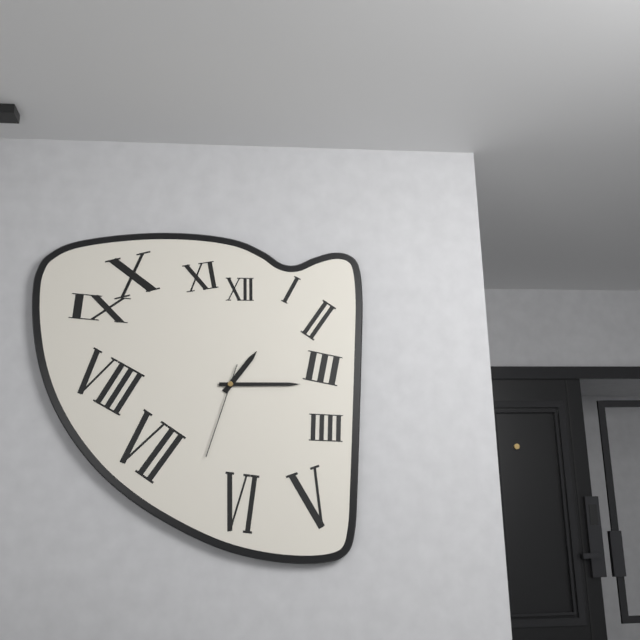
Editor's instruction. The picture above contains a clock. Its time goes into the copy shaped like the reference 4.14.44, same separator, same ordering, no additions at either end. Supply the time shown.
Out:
1.15.33
